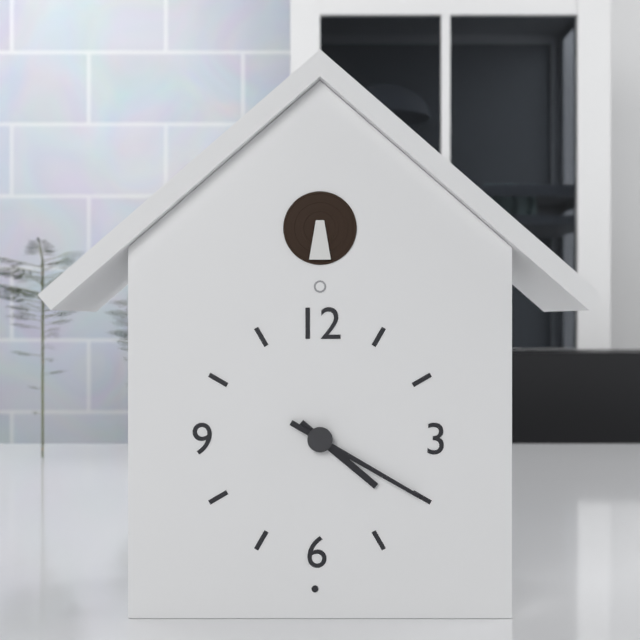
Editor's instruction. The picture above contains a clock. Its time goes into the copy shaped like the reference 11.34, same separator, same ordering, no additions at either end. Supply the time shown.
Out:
4.20
